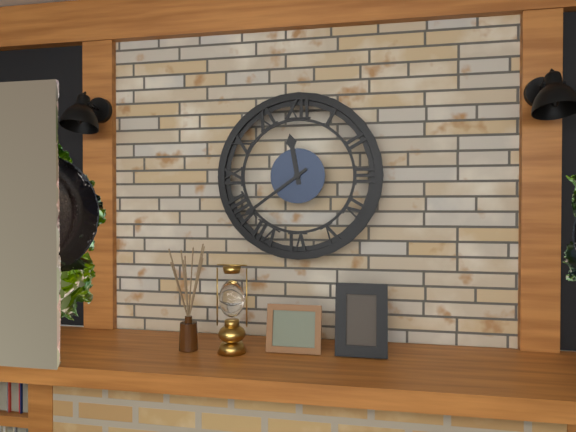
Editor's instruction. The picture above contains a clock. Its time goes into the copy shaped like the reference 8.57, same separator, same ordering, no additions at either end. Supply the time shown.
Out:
11.39
